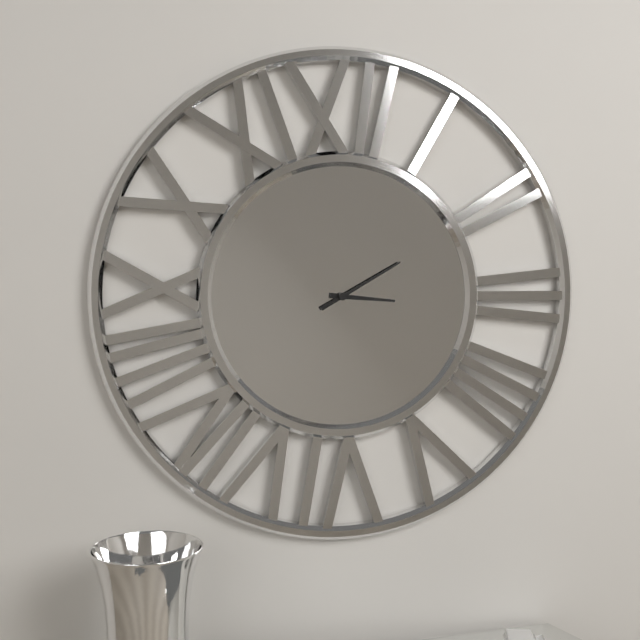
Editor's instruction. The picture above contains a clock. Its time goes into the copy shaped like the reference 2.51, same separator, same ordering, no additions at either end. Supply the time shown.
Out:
3.10
